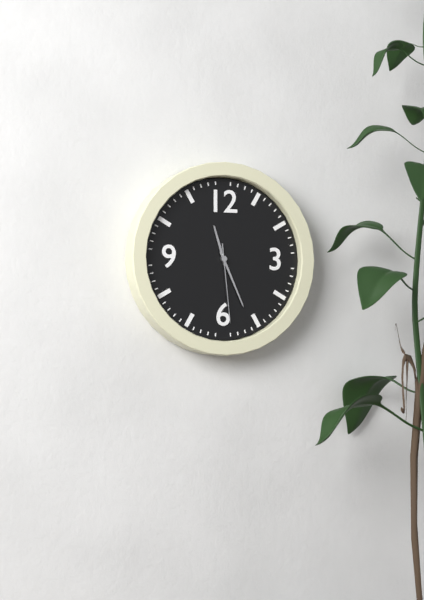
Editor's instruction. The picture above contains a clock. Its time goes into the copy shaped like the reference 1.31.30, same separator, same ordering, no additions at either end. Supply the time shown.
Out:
11.26.29
